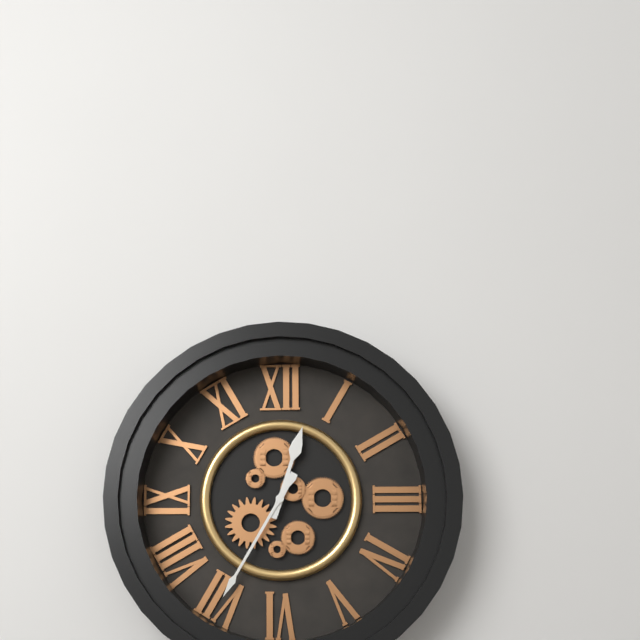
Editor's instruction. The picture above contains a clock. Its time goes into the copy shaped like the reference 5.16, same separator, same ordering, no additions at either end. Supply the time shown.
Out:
12.35
